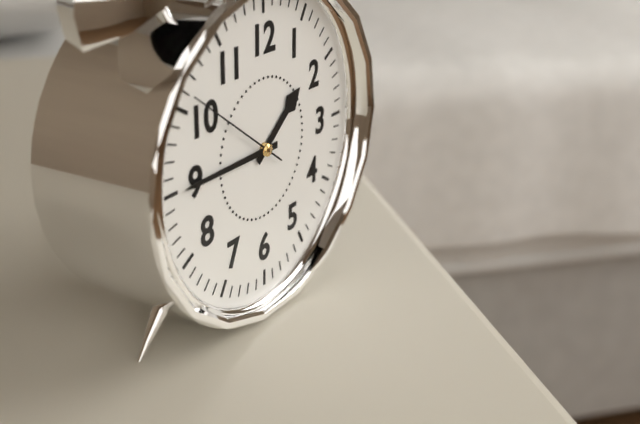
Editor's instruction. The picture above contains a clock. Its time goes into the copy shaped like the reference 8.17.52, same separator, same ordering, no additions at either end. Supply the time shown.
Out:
1.45.51
